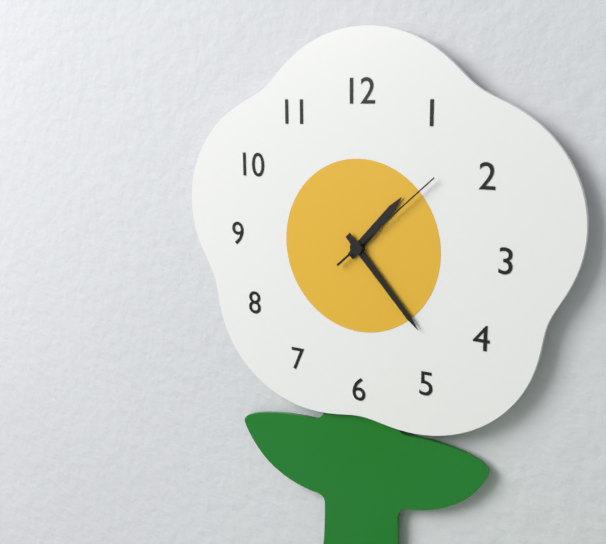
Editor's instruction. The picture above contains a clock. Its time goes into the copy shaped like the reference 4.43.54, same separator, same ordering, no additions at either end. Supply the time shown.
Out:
1.23.08
